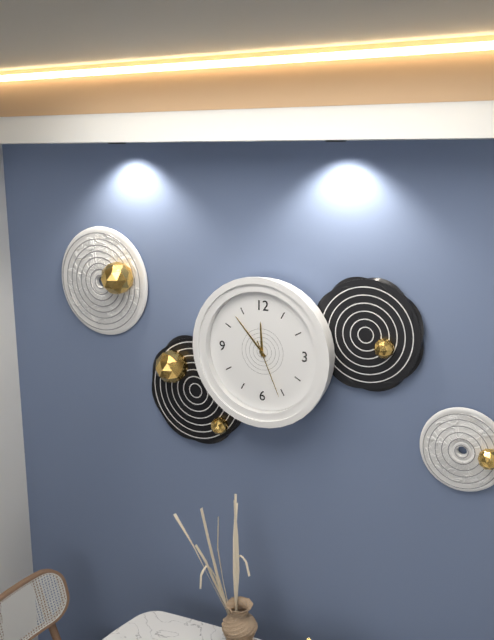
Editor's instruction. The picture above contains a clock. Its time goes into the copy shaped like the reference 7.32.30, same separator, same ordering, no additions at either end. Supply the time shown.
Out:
11.53.26
